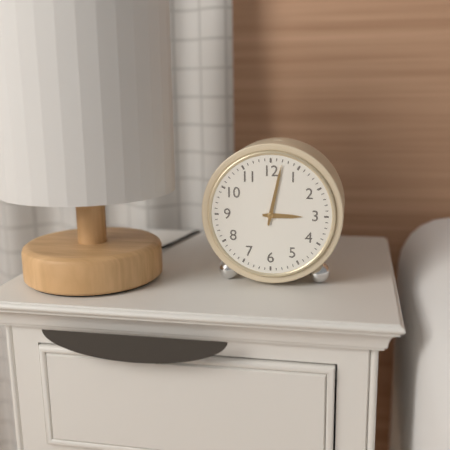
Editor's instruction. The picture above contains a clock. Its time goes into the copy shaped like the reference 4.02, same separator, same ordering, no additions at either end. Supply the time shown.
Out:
3.02
